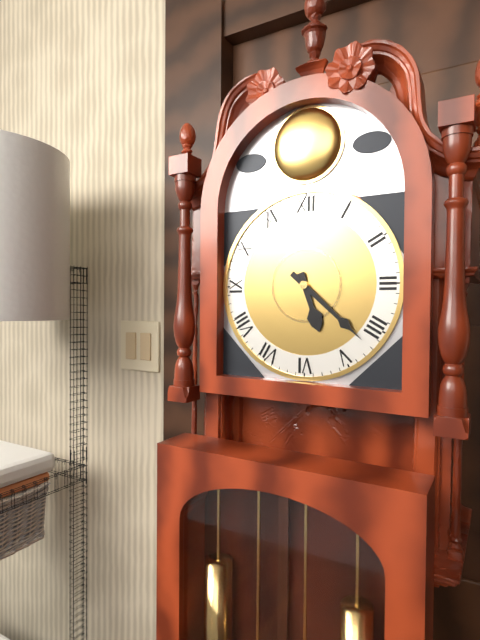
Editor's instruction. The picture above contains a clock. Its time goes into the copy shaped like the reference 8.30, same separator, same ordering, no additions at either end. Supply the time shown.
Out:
5.22
